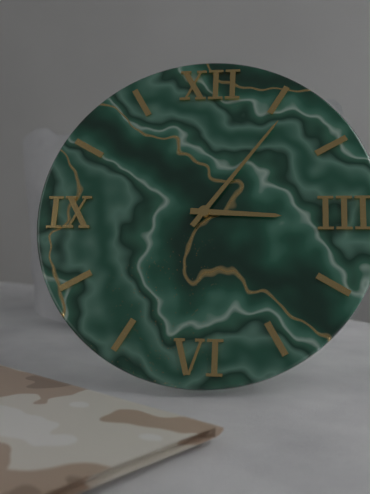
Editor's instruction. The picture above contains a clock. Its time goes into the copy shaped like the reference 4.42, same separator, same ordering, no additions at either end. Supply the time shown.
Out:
3.06
